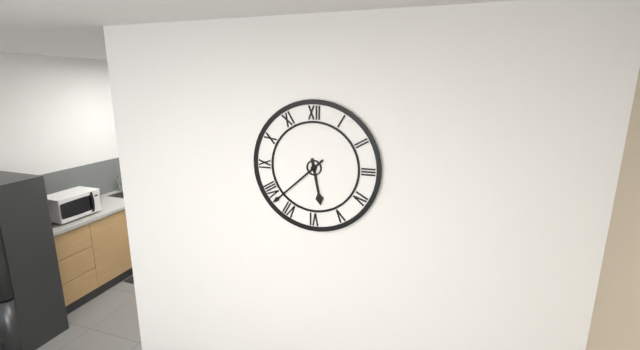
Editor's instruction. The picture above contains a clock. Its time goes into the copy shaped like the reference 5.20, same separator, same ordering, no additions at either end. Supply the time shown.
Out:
5.38
